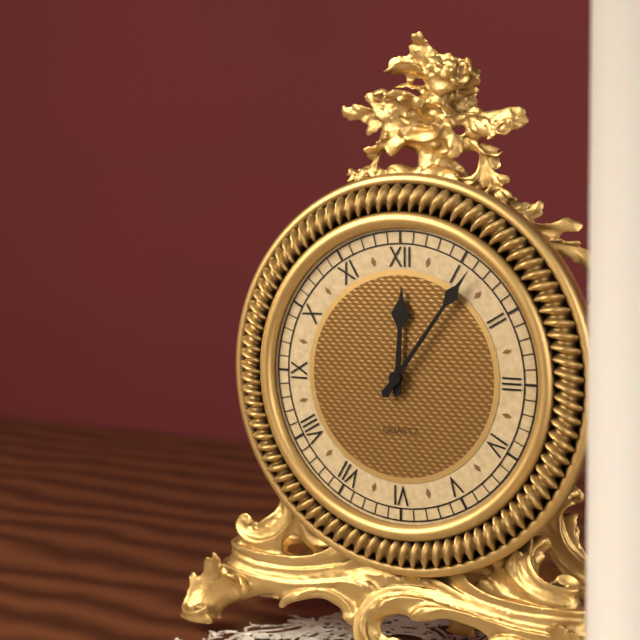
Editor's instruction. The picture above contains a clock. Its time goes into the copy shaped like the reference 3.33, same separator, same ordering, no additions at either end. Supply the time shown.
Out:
12.06
